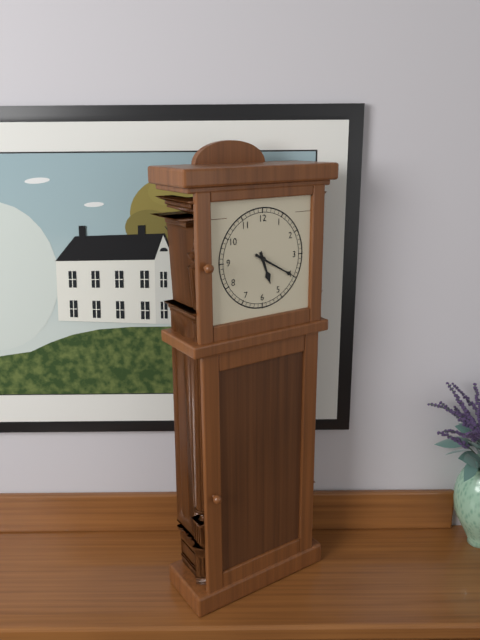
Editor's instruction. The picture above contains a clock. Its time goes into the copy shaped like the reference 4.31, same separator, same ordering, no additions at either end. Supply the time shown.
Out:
5.20
